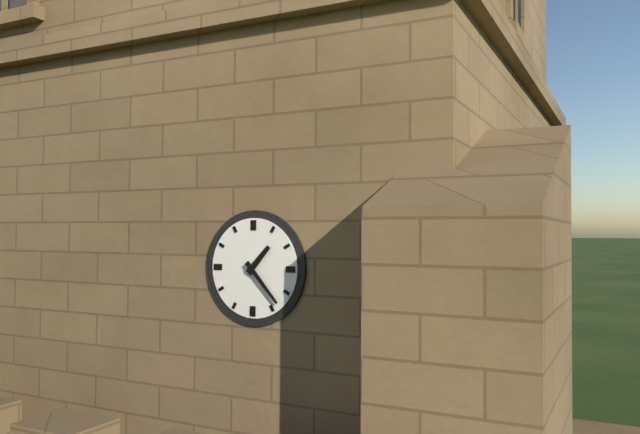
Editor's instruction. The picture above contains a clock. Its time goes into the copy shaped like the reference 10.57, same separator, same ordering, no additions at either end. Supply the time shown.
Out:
1.23
